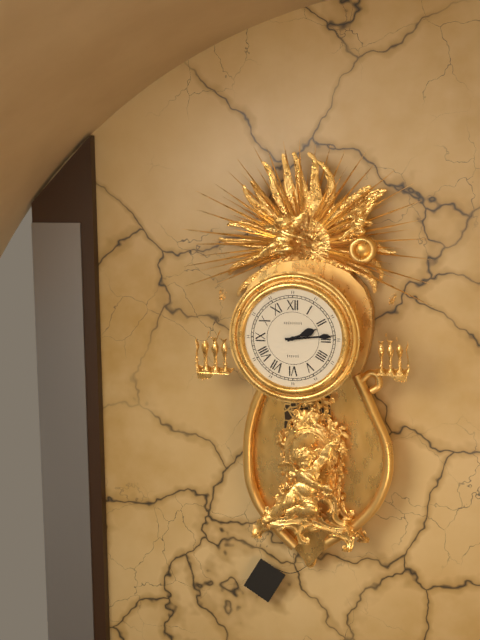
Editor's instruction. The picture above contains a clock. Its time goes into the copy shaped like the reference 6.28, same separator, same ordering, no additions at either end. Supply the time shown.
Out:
2.14
